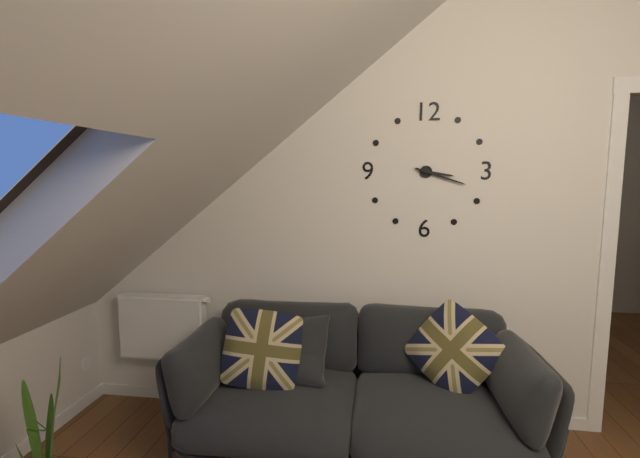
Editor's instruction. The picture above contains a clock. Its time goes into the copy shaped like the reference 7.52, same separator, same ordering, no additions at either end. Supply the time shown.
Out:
3.18
